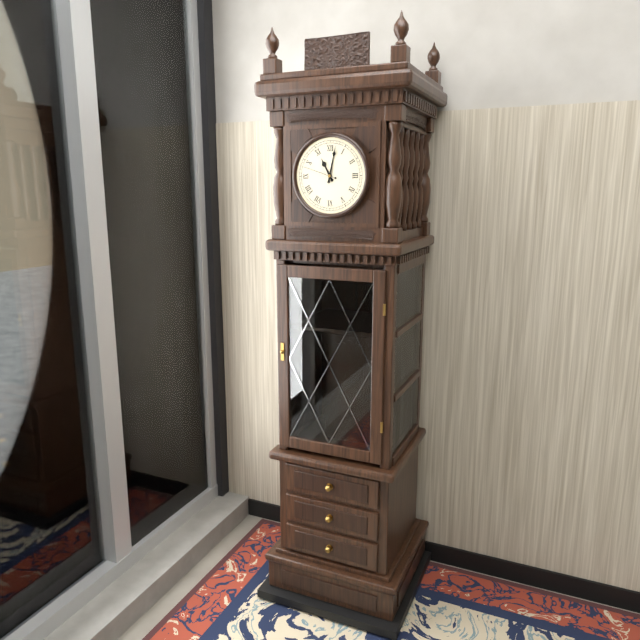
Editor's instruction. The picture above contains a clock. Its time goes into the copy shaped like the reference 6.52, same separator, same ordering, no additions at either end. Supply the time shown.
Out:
11.02
